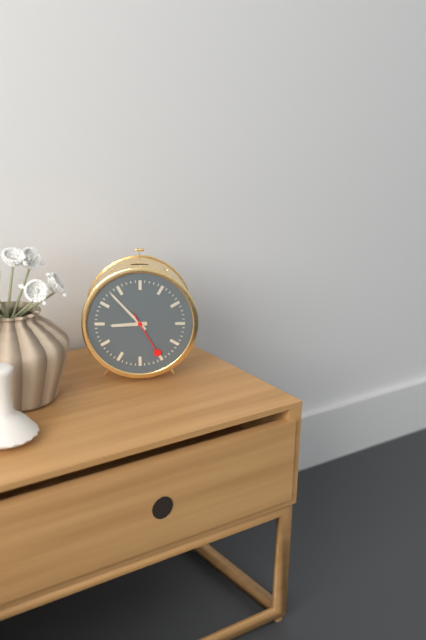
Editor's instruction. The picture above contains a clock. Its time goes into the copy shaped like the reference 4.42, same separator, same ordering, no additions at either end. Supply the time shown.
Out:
8.53
